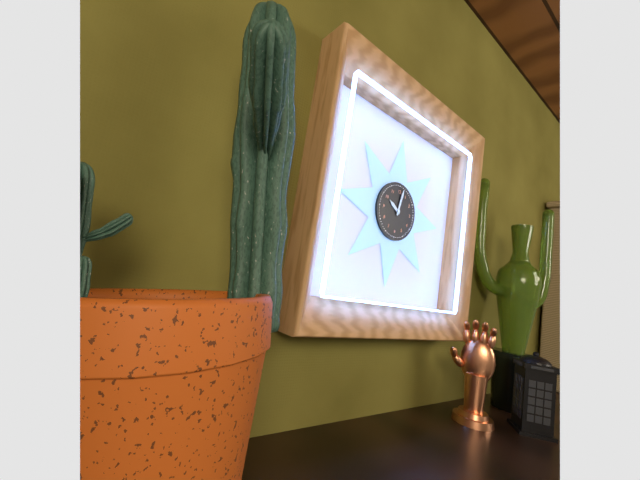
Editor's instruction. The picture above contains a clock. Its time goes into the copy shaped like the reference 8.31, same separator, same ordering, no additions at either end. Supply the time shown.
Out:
10.02
